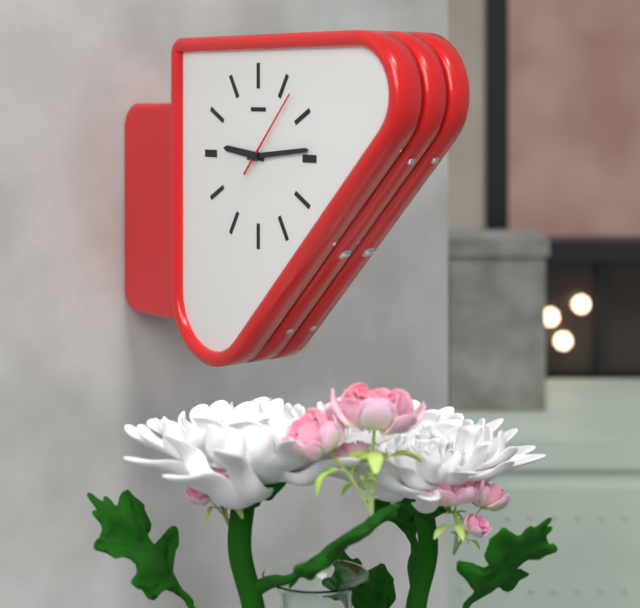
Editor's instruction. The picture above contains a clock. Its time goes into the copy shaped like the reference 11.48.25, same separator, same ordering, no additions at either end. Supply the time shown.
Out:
9.14.07
